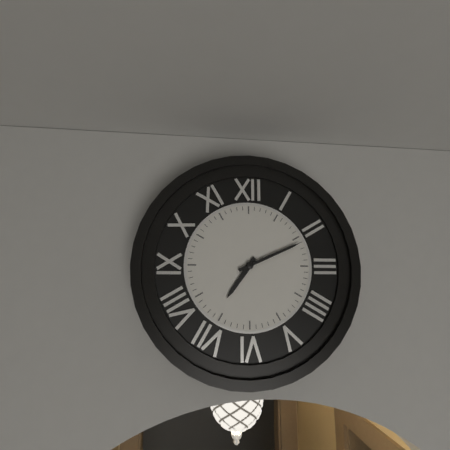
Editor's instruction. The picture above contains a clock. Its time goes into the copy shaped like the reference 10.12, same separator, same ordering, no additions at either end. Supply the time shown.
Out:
7.11
